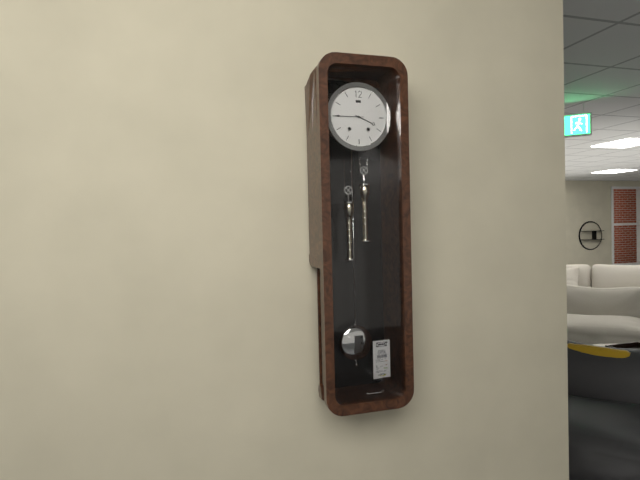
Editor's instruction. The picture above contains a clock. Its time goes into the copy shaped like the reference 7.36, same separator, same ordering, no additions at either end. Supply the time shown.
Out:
3.45
